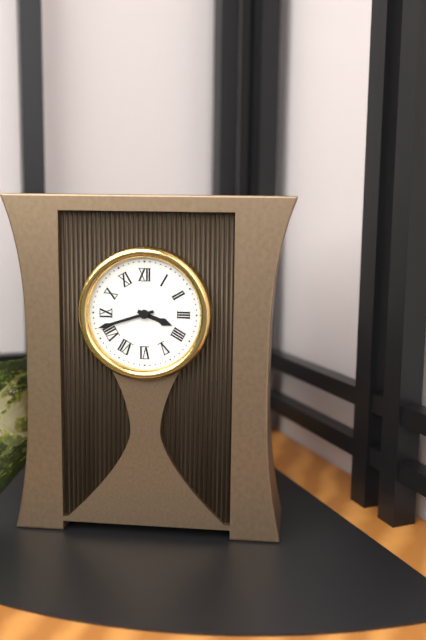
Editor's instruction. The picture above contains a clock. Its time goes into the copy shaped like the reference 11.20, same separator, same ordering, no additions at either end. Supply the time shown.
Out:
3.42
